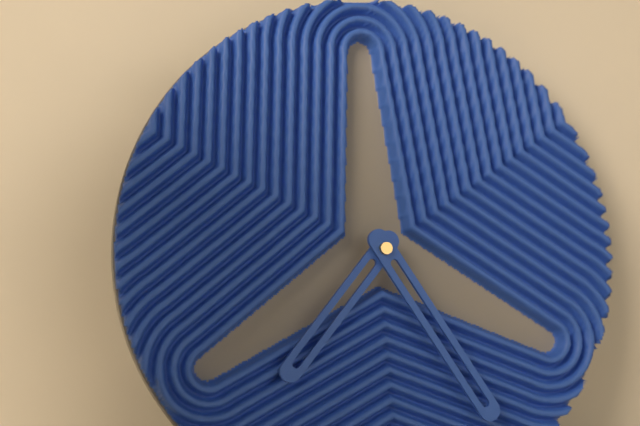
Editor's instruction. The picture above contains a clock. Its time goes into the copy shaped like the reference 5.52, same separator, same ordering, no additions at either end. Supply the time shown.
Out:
7.25
